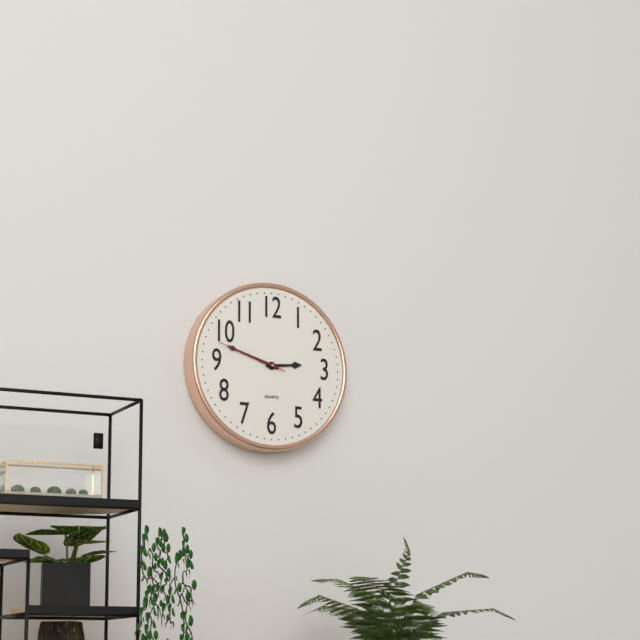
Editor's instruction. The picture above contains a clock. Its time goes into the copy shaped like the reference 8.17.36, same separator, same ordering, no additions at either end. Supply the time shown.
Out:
2.48.48
